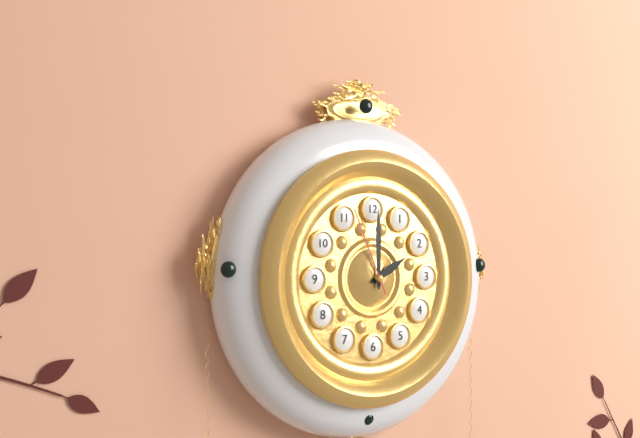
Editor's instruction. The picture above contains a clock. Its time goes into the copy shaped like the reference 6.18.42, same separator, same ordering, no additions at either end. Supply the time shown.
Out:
2.00.56
